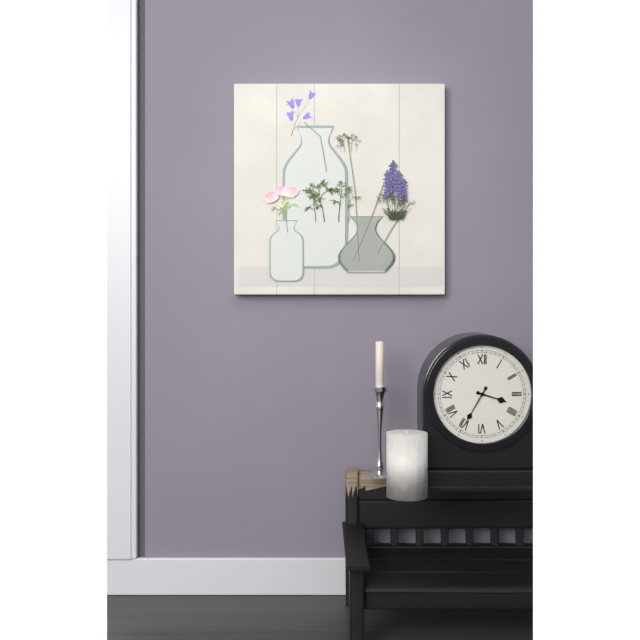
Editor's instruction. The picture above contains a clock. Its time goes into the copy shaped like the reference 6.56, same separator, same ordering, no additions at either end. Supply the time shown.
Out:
3.35
